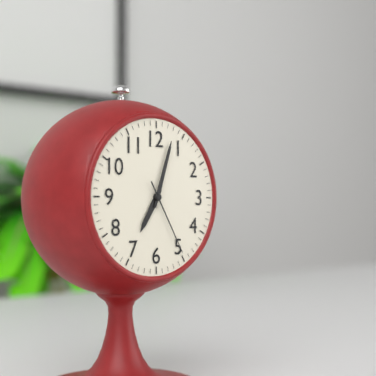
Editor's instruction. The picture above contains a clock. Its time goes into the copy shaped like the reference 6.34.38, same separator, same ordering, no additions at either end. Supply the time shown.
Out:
7.03.25
